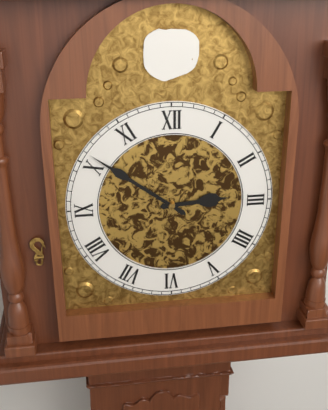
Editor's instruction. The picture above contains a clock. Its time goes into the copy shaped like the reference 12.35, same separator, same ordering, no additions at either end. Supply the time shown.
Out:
2.51
